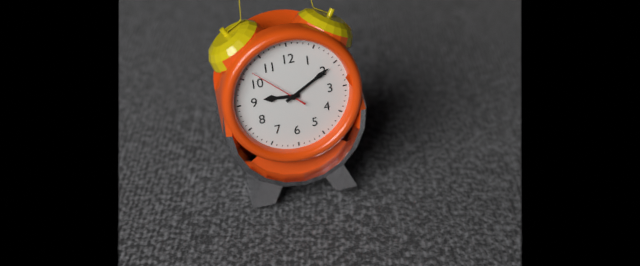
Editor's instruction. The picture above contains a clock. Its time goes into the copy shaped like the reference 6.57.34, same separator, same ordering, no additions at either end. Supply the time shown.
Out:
9.10.52
